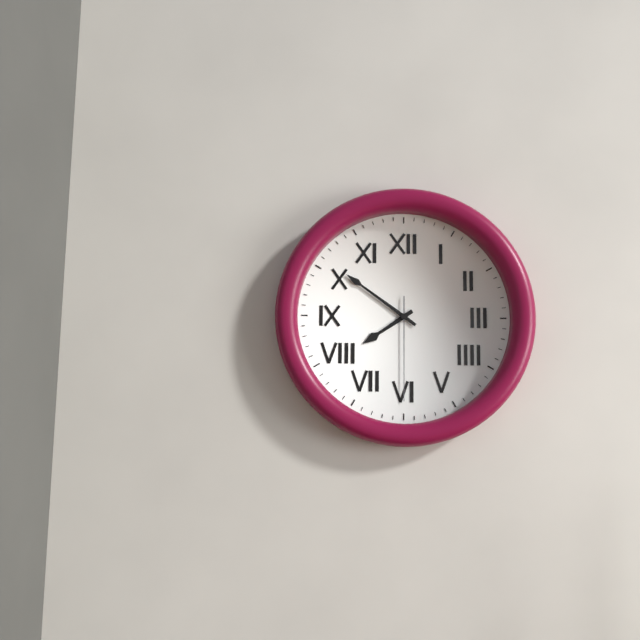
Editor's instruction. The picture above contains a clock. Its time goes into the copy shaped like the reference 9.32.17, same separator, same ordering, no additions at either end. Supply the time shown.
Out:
7.51.30
